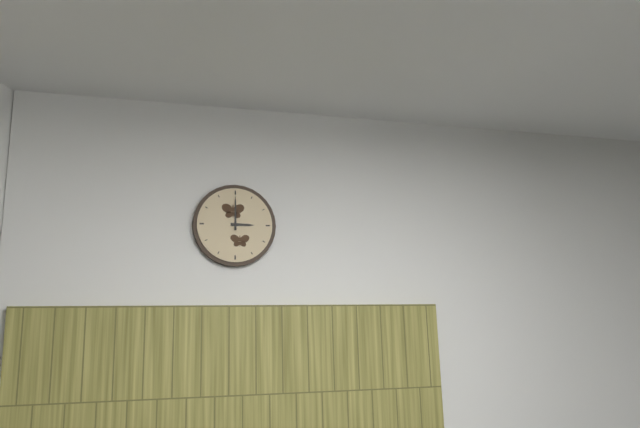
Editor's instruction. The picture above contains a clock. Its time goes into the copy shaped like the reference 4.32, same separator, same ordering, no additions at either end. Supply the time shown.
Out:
3.00
